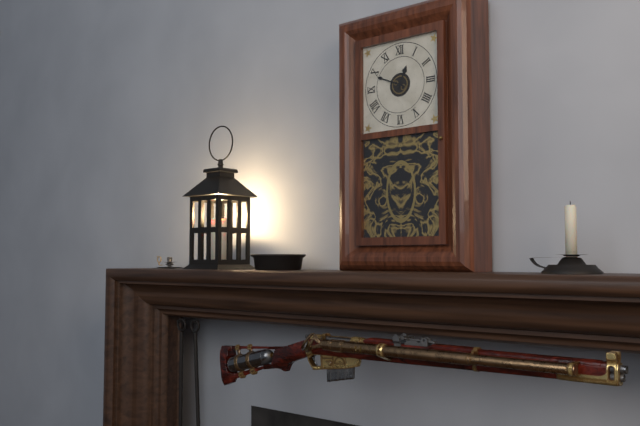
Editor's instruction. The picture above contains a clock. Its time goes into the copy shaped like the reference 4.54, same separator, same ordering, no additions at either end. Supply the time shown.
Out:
12.49
